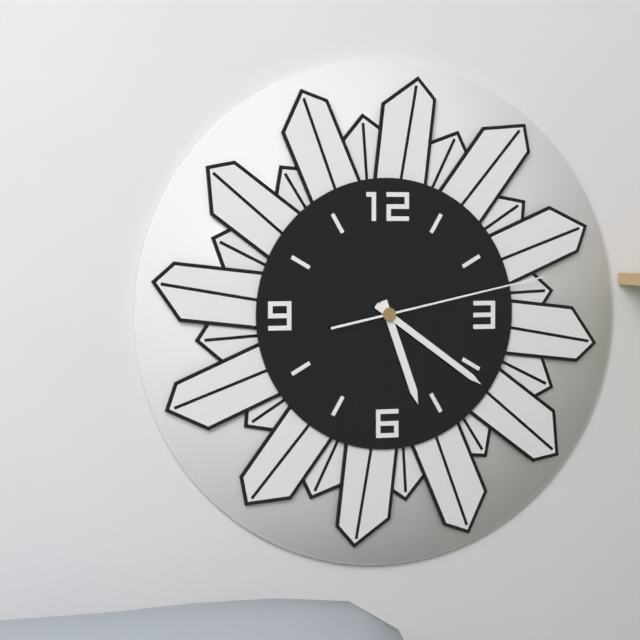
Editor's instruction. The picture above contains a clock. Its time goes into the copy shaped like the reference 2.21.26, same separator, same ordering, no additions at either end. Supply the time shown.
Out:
5.21.13
